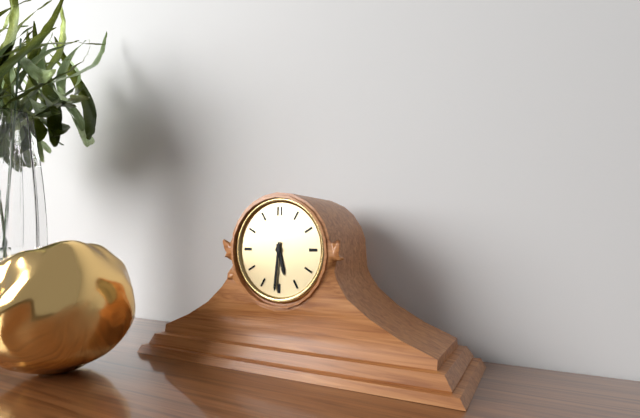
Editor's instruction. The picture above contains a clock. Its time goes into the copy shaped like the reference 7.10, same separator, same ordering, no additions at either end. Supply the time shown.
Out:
5.31
